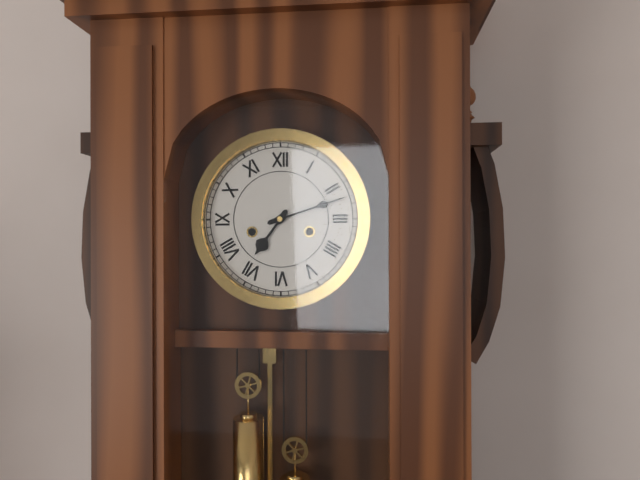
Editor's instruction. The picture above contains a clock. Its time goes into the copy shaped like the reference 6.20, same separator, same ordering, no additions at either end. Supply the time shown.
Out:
7.12
